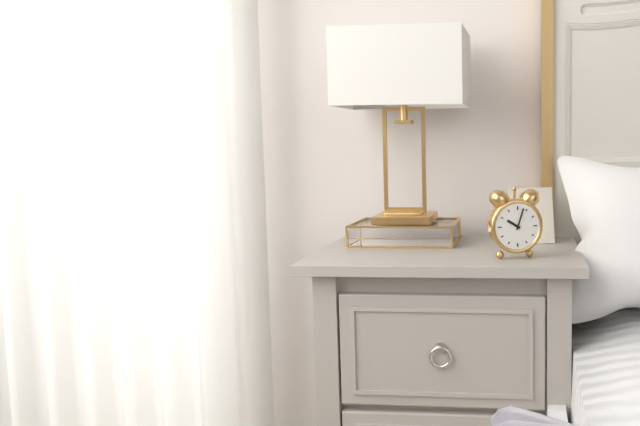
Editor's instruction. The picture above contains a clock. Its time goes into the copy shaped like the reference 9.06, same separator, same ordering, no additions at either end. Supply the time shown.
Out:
10.03
